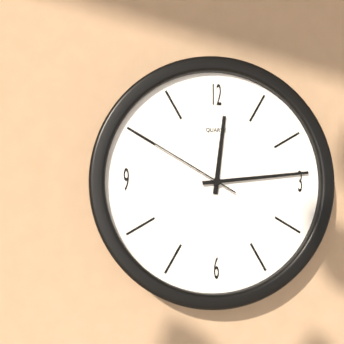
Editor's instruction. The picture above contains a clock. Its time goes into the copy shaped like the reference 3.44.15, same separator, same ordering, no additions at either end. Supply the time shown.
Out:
12.14.50
